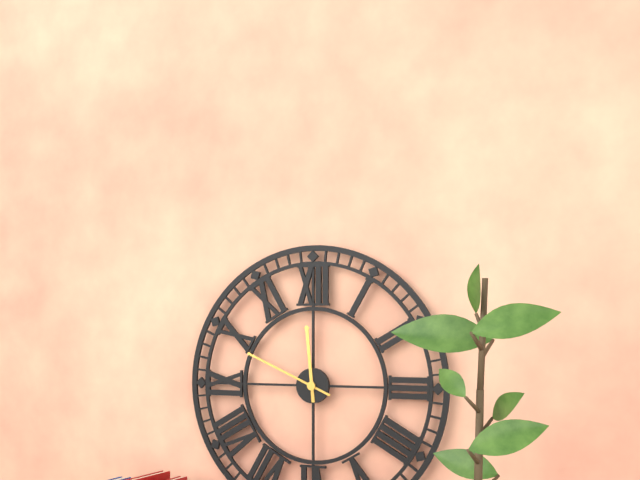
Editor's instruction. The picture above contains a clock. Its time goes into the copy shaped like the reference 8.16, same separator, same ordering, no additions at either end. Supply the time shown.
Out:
11.49
